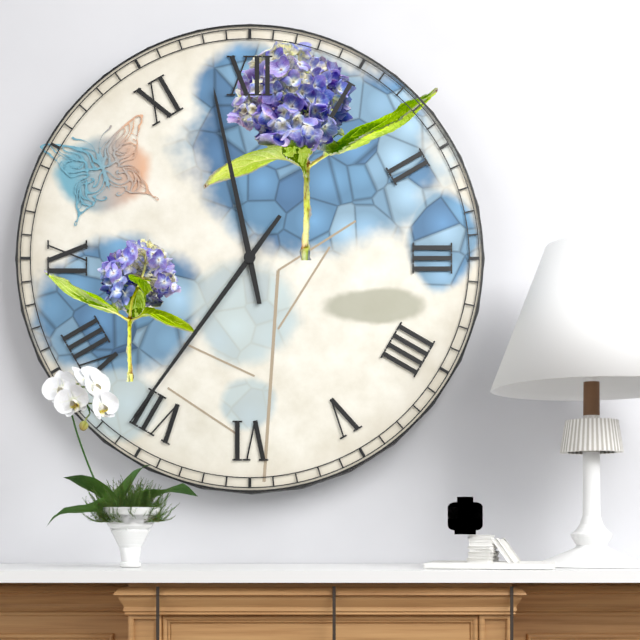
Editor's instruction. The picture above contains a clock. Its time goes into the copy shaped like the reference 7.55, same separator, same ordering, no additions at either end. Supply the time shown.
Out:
11.36
